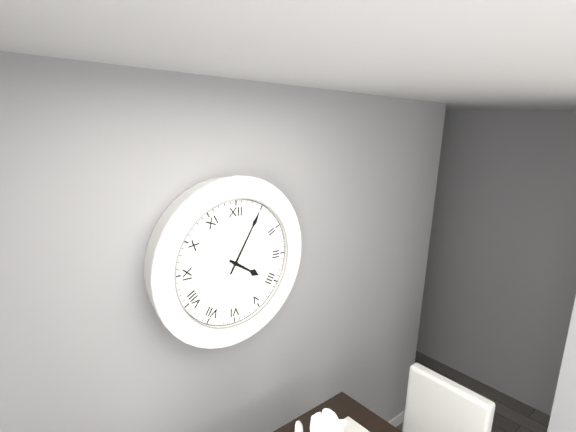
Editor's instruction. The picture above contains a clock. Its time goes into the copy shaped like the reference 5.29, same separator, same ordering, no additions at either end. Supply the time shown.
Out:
4.05
